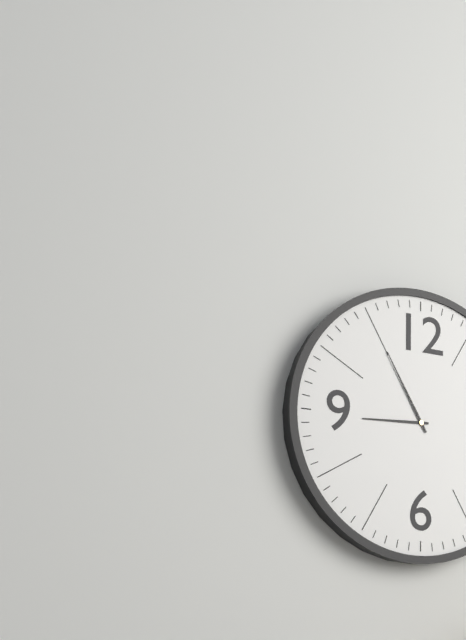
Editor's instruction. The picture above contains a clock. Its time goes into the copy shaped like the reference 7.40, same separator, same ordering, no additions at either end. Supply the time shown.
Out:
8.55
